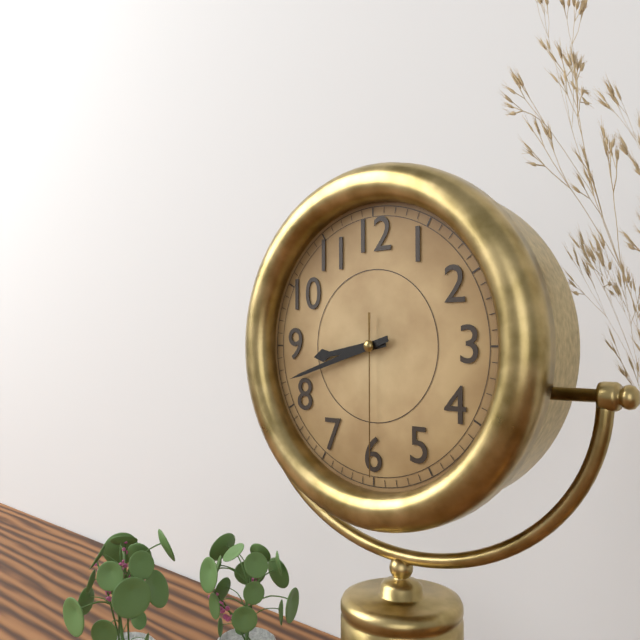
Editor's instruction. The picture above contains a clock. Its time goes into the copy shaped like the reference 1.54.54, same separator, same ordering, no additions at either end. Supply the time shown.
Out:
8.42.30
